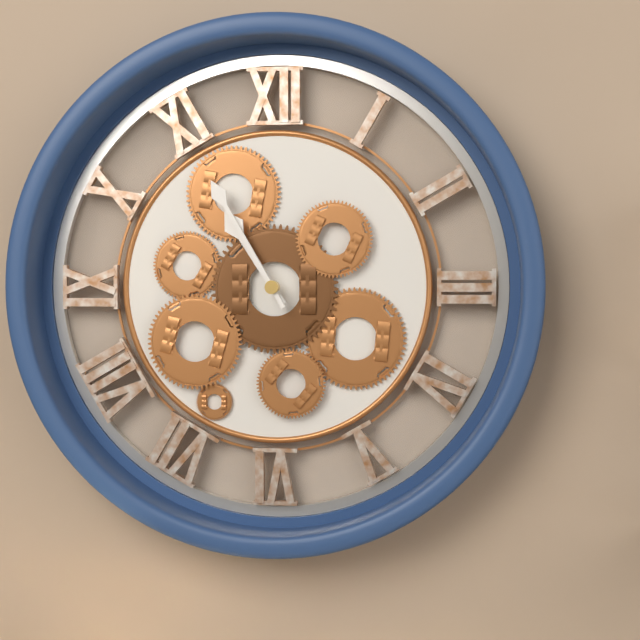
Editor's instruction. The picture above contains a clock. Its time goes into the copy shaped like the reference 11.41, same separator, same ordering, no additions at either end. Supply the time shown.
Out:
10.55
